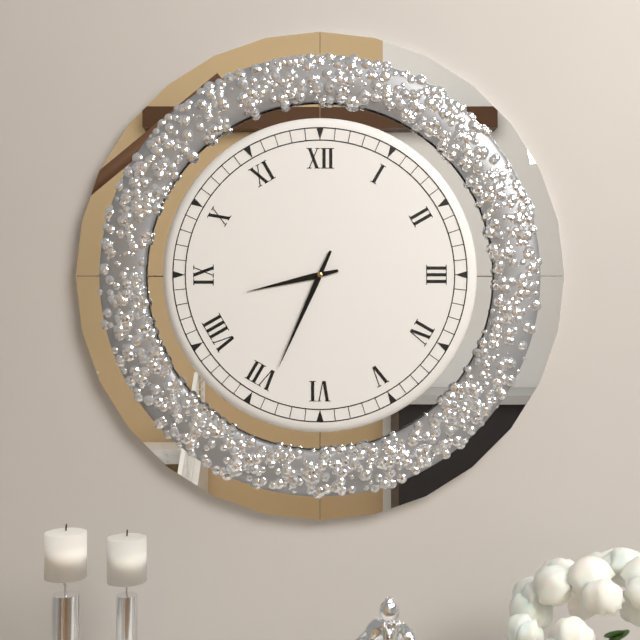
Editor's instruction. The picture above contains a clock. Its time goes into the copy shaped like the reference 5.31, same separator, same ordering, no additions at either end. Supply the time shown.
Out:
8.34
